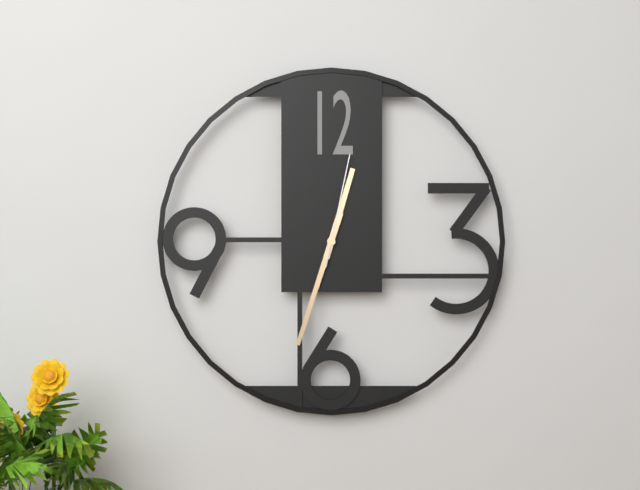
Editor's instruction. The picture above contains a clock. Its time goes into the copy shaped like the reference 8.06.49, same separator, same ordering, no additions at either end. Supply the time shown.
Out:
12.33.02
